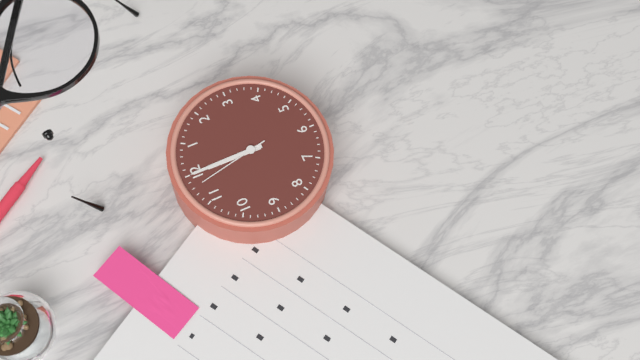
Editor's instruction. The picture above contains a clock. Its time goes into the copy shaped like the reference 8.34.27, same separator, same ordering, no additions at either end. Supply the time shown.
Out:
12.00.58
